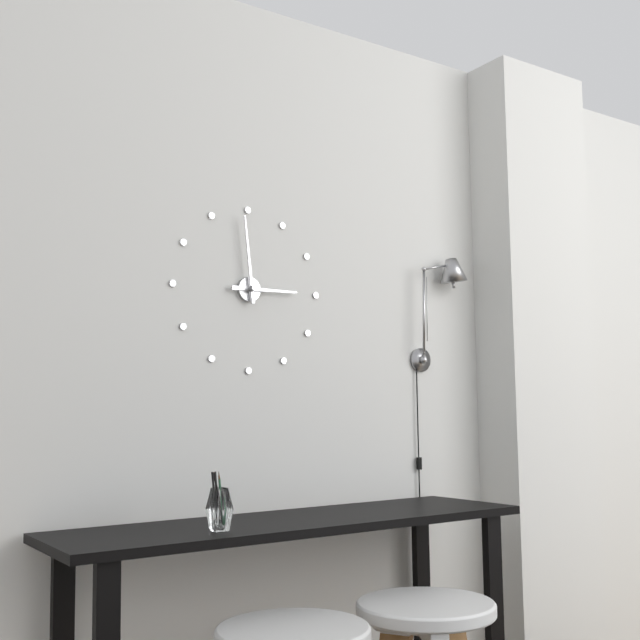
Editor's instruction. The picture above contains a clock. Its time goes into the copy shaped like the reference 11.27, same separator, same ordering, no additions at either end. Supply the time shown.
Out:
2.59
